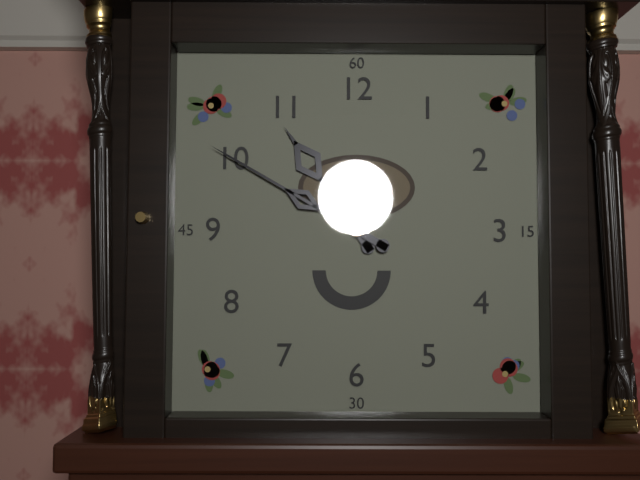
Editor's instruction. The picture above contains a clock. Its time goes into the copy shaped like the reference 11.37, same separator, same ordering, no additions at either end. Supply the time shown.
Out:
10.50
